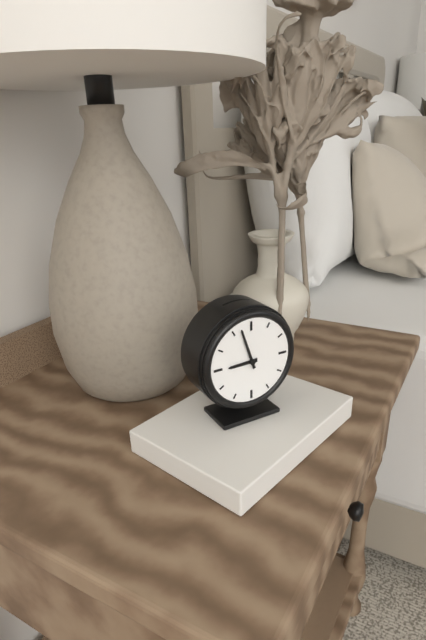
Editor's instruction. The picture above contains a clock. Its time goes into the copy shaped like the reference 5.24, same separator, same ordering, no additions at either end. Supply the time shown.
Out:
8.57
